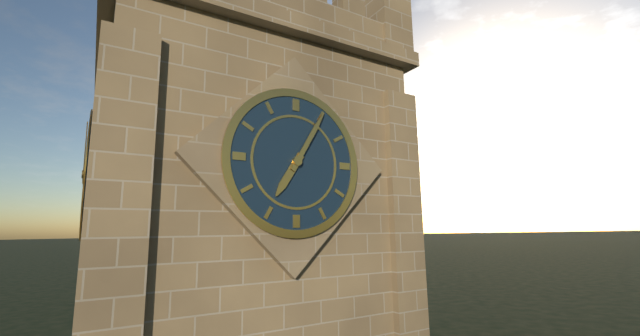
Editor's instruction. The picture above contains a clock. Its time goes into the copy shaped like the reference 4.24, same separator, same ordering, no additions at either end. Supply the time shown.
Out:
7.05
